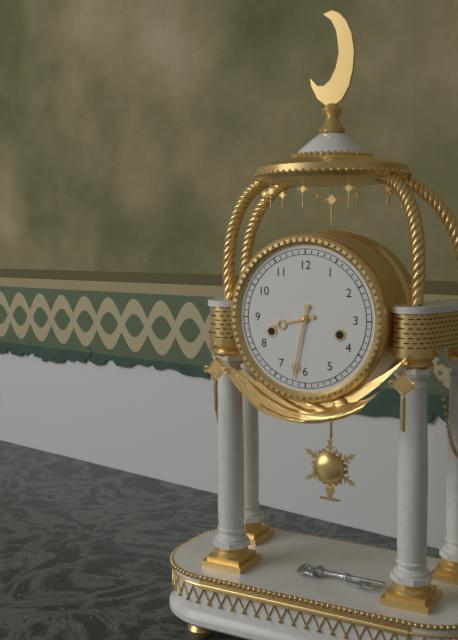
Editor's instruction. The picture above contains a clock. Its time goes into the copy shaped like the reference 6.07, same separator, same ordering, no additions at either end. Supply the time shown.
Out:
8.32
